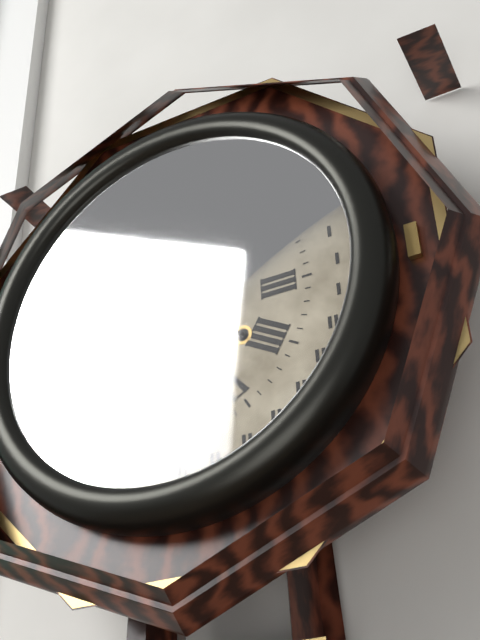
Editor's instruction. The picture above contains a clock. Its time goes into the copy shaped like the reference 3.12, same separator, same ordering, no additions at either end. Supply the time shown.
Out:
11.05
